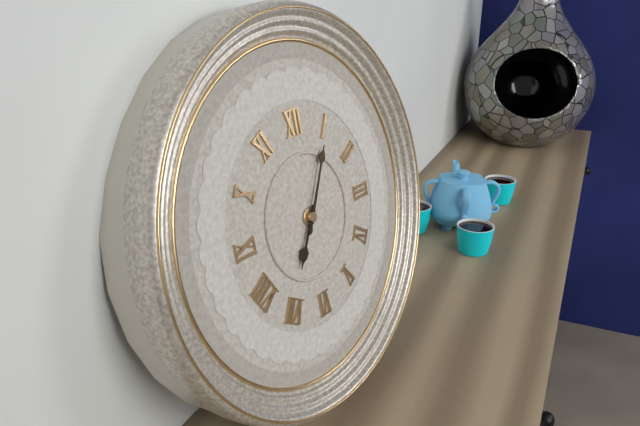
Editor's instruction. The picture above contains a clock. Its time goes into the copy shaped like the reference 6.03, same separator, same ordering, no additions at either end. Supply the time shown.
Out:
7.05
